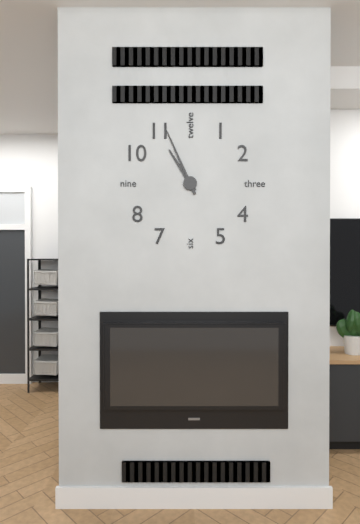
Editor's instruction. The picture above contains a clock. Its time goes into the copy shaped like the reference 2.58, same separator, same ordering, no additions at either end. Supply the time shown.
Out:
10.56
